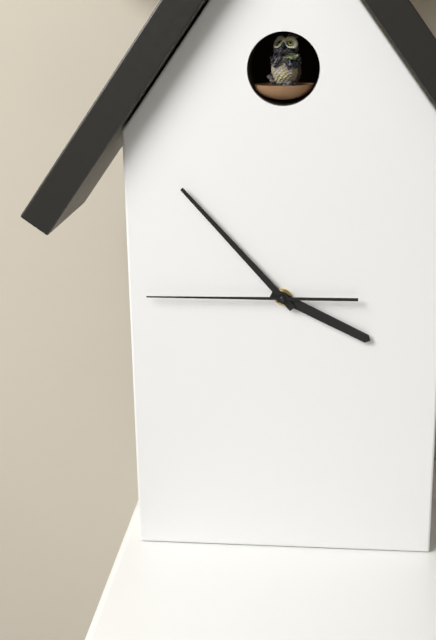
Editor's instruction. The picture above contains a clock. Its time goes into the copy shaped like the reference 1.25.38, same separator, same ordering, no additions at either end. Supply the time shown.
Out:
3.53.45
